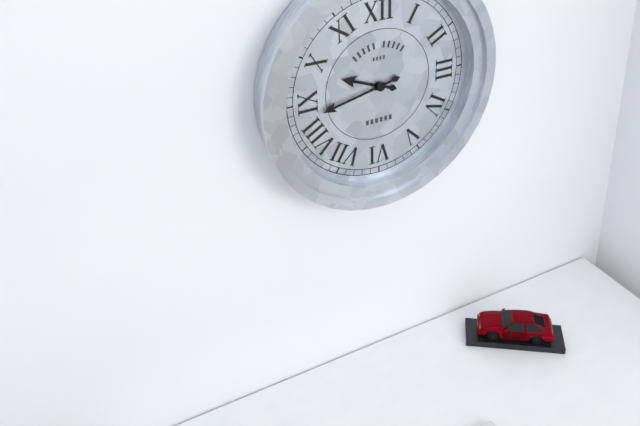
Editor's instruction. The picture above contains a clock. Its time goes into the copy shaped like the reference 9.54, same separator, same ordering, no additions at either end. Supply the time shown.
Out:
9.43
